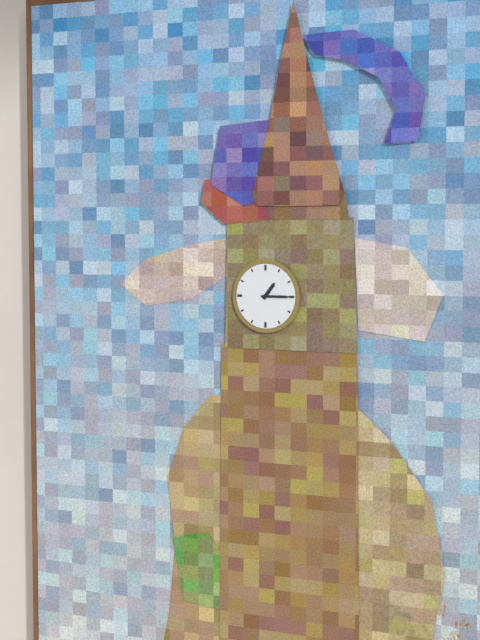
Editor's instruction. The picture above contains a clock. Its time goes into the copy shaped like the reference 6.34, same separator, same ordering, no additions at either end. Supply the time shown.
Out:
1.15
